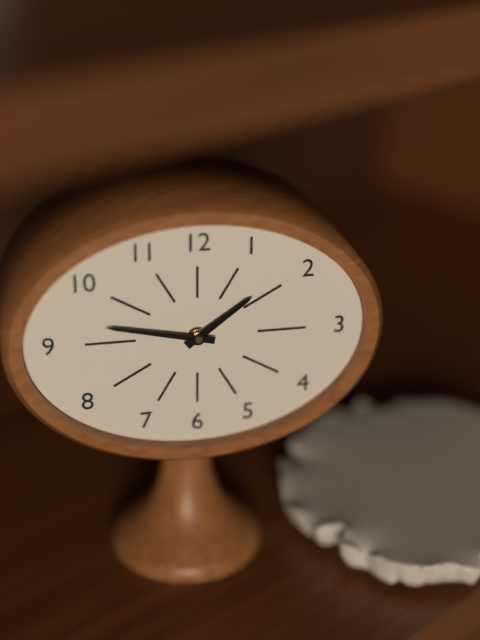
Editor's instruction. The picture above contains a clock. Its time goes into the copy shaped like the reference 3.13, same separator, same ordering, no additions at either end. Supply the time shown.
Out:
1.47
